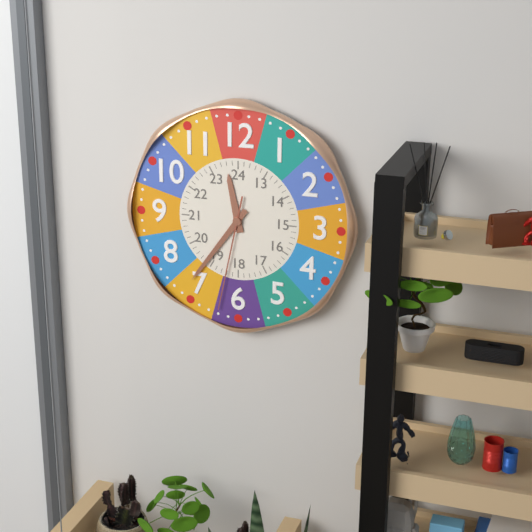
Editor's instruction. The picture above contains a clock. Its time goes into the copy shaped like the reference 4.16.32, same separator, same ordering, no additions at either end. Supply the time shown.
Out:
11.36.32
